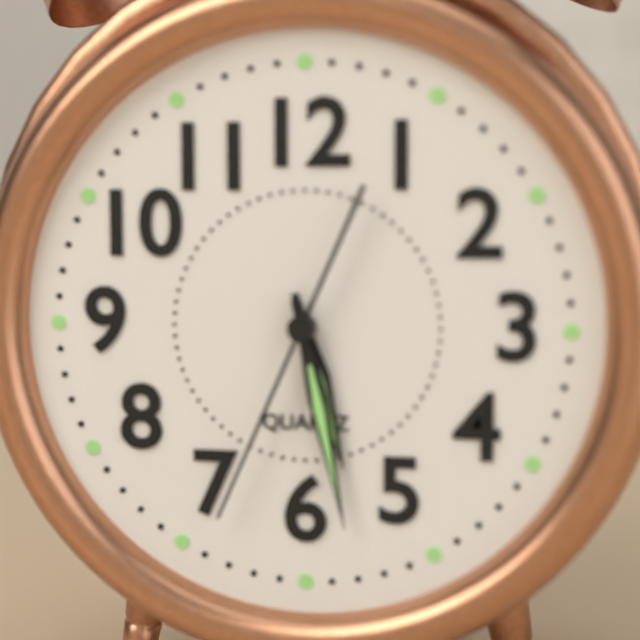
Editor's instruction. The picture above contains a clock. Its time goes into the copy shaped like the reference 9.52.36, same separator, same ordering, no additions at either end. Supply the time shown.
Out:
5.28.34
